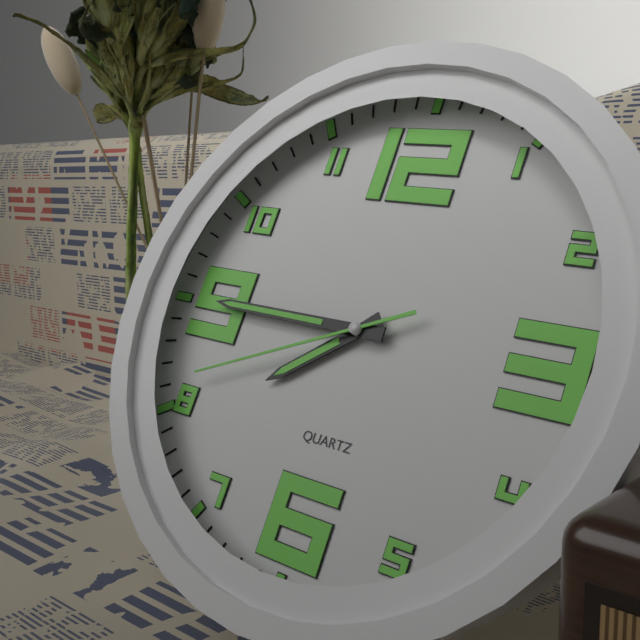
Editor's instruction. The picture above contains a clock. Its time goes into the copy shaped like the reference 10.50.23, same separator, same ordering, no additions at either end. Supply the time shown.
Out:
7.45.41
